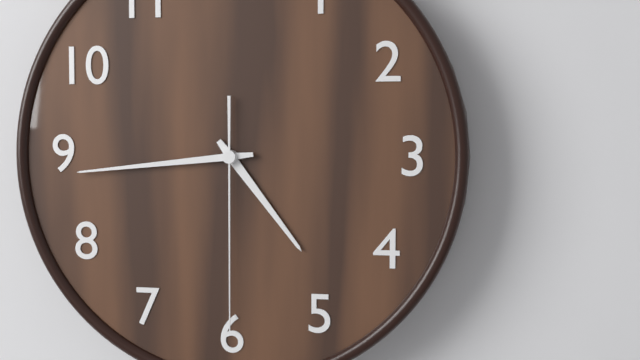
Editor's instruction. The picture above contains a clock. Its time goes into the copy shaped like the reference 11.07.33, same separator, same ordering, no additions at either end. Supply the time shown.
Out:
4.44.30
